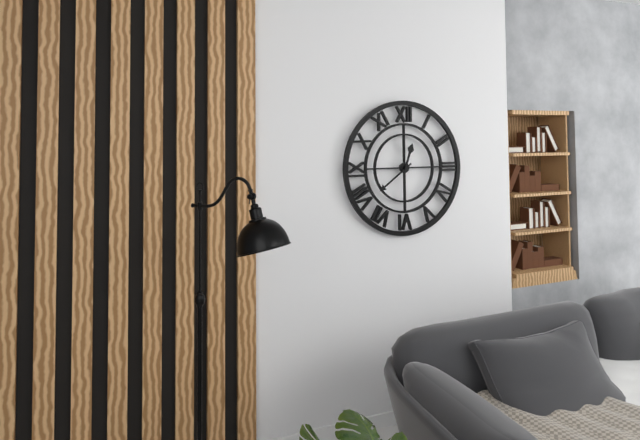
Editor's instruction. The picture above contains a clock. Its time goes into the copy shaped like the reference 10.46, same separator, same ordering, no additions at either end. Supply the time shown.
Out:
12.39
